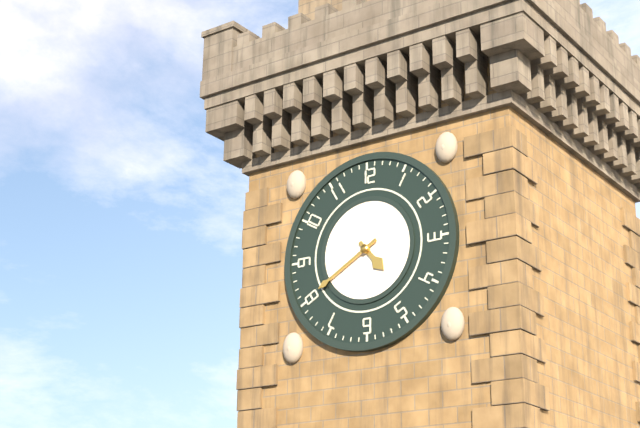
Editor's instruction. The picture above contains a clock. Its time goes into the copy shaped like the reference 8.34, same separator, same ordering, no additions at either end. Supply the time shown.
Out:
4.40
